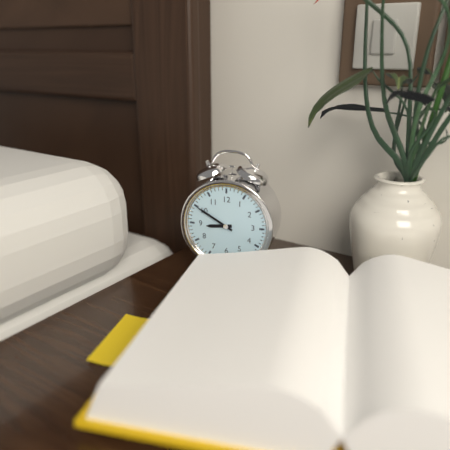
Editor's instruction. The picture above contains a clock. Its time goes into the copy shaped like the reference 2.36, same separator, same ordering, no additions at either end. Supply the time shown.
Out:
8.50
